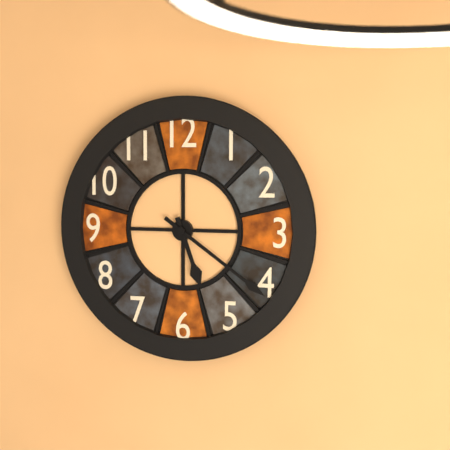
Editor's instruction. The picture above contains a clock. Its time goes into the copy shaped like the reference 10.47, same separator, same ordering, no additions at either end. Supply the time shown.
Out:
5.21
